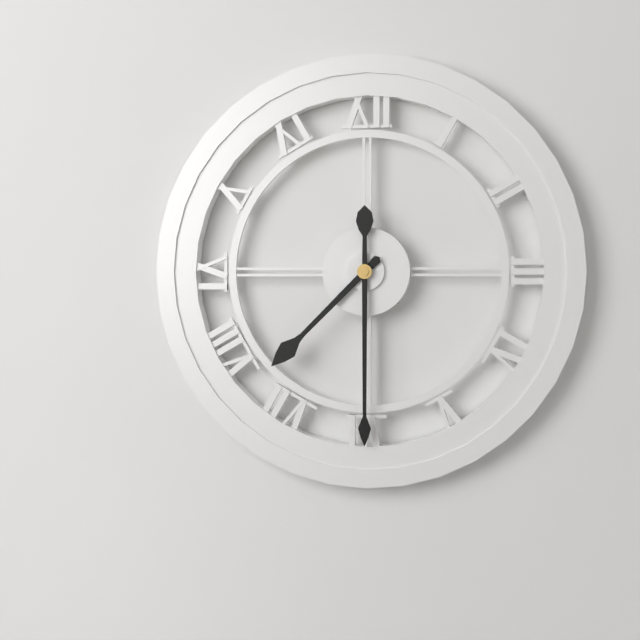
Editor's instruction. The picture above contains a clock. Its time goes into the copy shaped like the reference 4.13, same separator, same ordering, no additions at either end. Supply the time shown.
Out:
7.30
